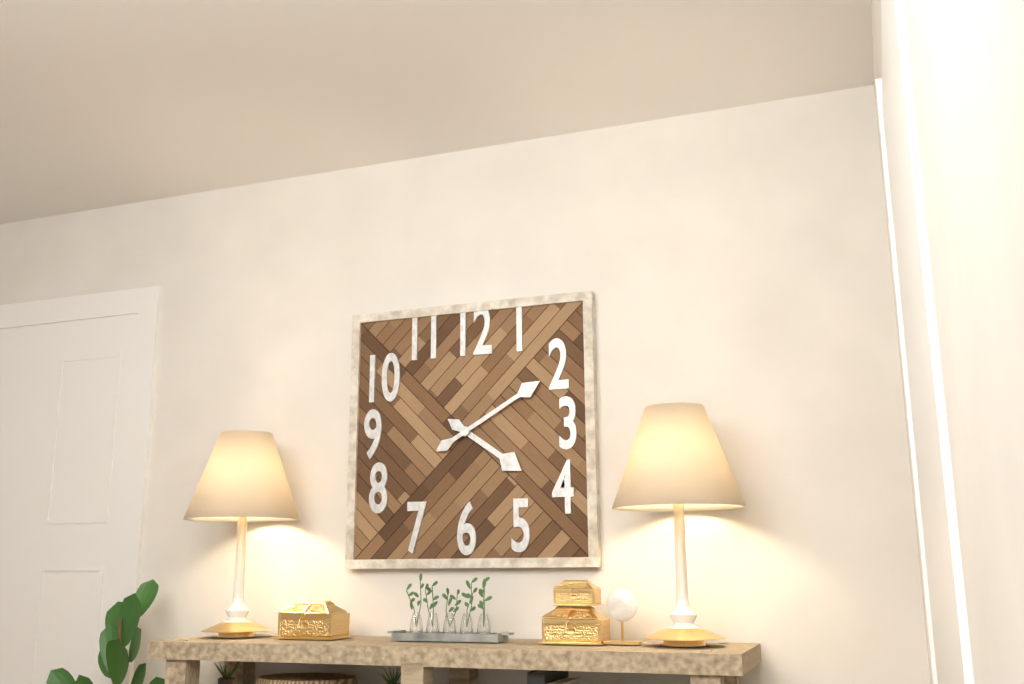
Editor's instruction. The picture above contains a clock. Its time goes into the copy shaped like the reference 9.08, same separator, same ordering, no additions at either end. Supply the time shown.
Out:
4.10
